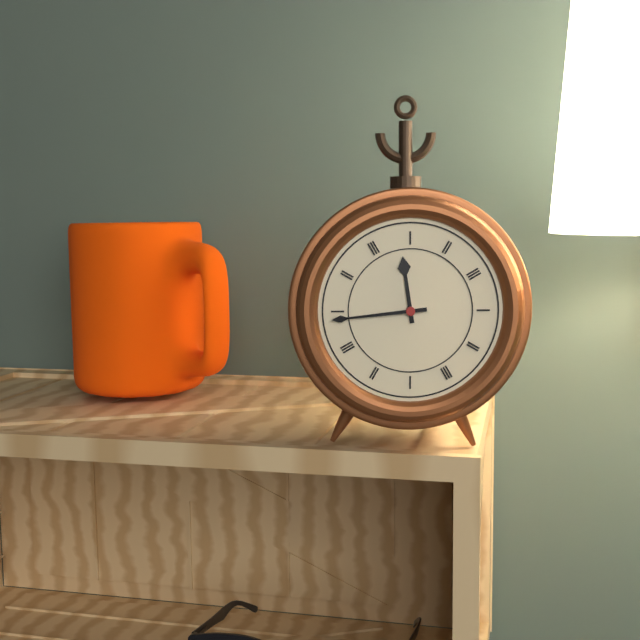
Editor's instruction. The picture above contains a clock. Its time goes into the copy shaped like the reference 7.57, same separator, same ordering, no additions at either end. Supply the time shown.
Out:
11.44
